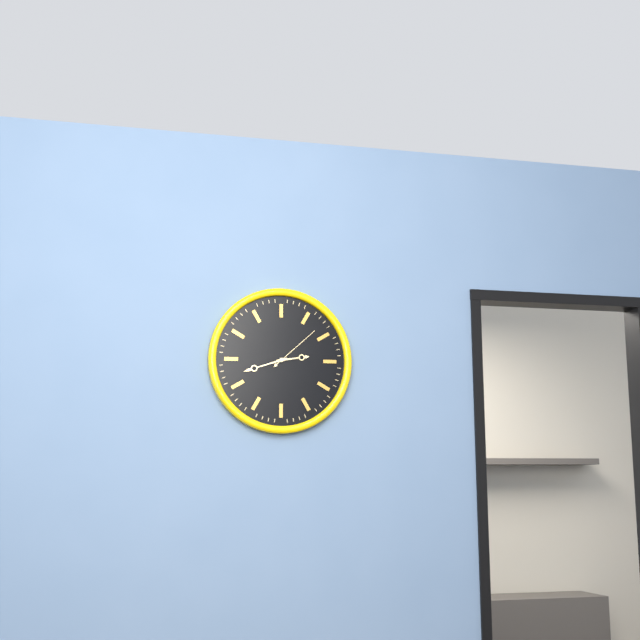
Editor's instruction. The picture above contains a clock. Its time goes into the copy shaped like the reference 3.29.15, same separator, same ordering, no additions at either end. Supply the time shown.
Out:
2.42.08
